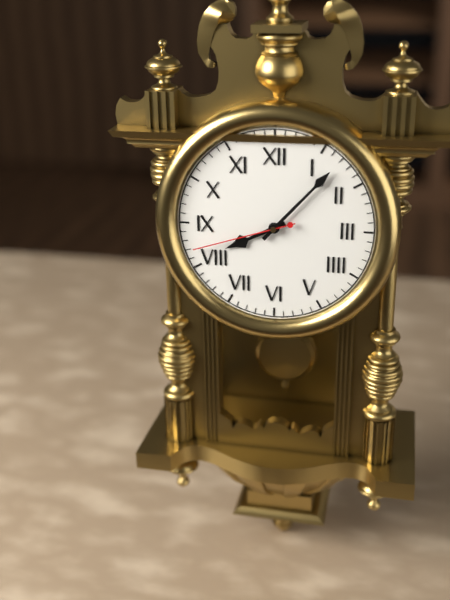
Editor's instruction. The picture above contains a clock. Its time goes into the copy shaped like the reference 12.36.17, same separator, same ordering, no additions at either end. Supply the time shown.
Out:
8.07.42
